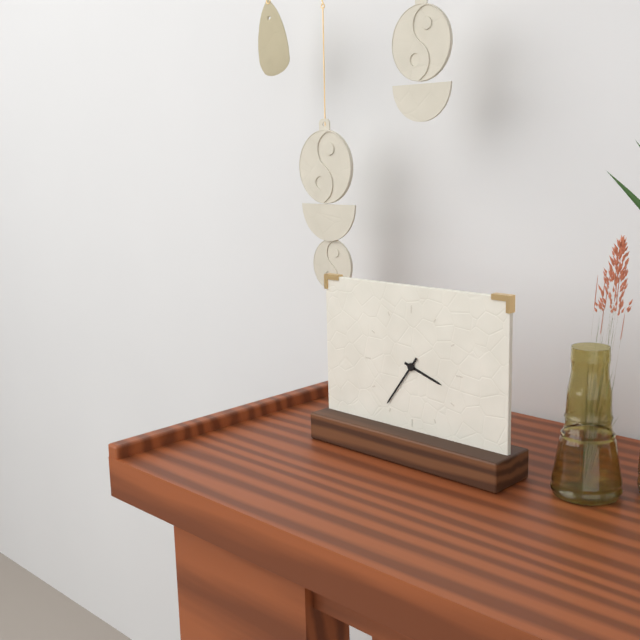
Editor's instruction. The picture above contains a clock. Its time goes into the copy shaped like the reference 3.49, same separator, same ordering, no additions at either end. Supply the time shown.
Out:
3.36
